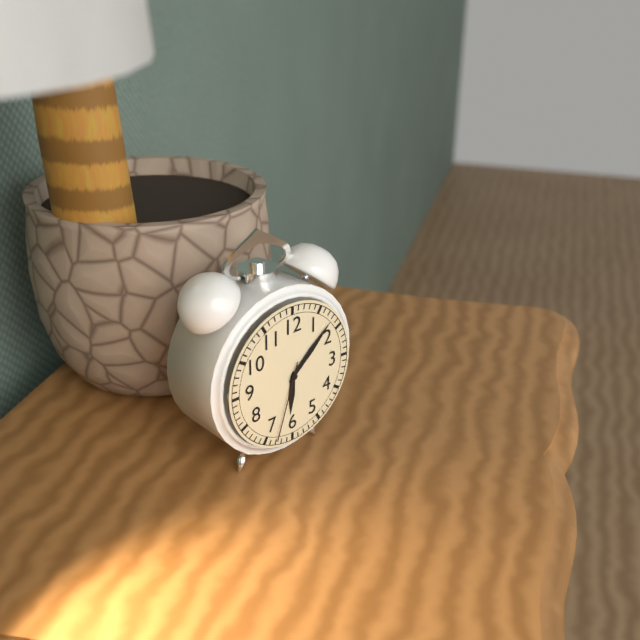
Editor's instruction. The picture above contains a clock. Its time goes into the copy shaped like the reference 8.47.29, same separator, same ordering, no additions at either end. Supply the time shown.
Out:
6.08.33
